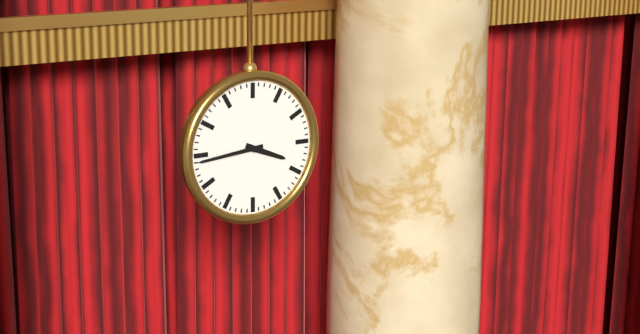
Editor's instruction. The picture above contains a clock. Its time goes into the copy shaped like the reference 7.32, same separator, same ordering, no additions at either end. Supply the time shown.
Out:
3.44
